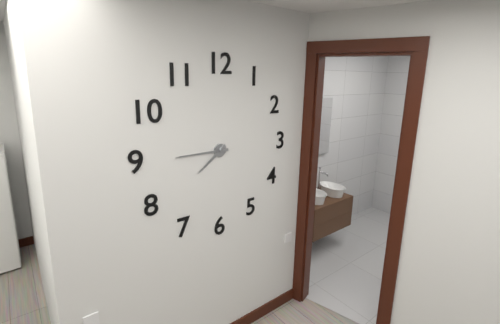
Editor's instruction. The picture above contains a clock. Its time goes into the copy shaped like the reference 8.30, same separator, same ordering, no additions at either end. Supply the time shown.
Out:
7.45
